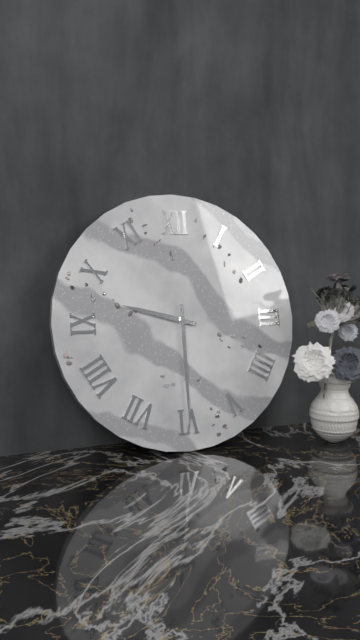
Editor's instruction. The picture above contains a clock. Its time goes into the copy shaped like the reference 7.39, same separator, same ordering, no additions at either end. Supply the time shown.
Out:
9.30
